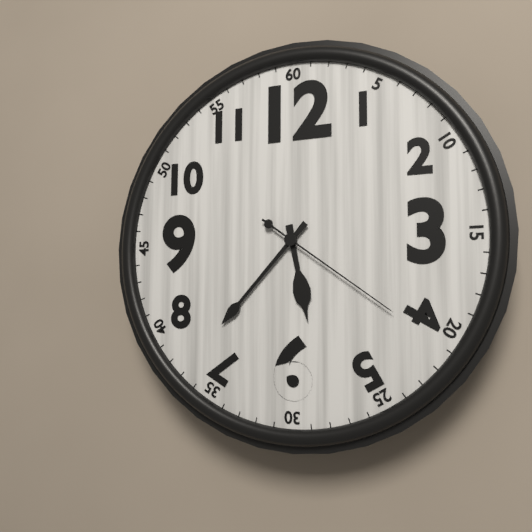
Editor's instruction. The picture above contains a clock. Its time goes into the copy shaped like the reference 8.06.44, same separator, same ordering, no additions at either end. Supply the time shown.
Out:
5.37.21
